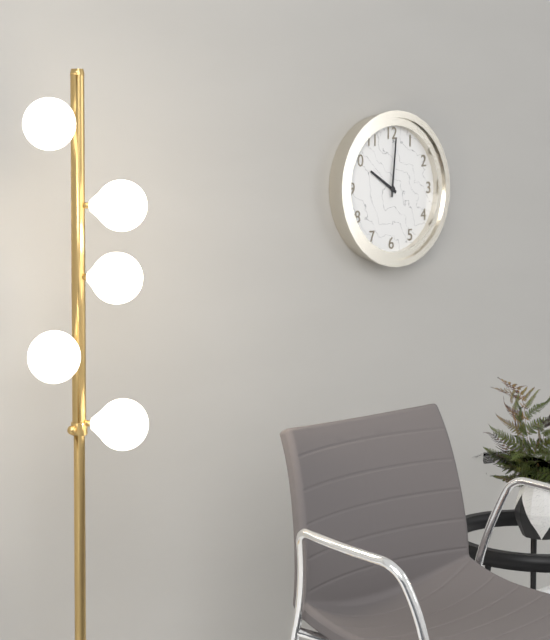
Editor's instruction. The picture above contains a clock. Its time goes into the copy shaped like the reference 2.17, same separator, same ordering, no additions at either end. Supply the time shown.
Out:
10.01
